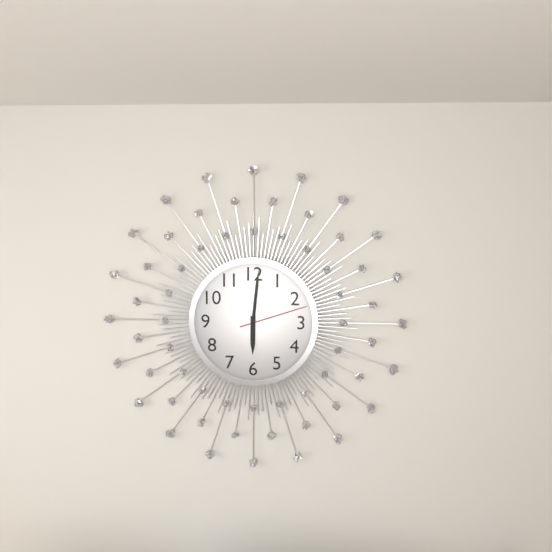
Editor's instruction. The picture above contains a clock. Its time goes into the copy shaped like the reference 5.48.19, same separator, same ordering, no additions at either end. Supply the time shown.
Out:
6.01.12
